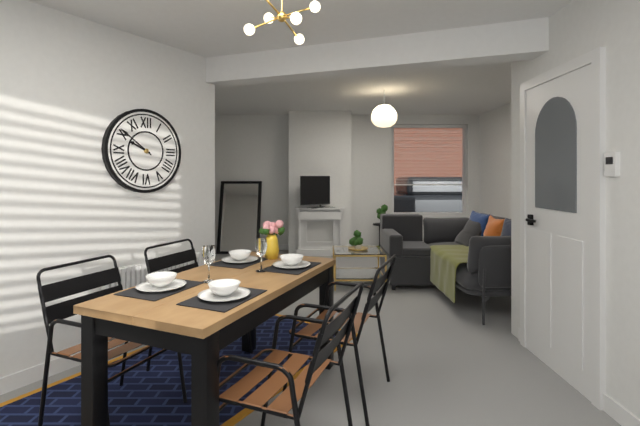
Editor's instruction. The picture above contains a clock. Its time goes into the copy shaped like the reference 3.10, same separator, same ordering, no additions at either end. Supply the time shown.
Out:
9.51
